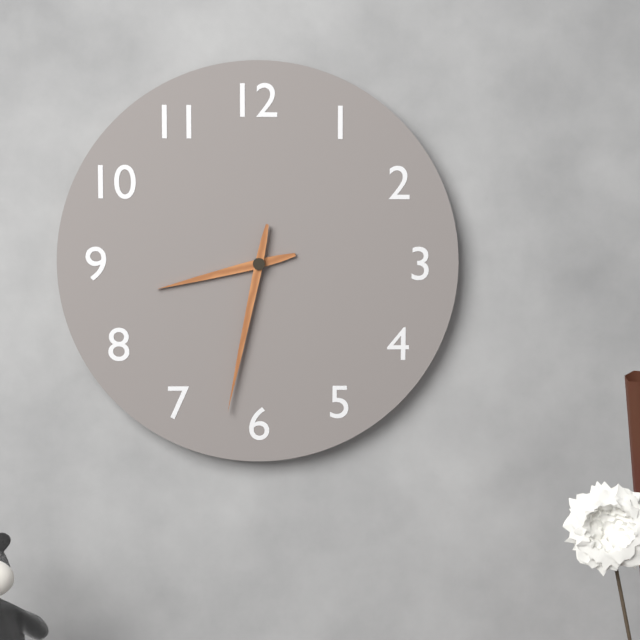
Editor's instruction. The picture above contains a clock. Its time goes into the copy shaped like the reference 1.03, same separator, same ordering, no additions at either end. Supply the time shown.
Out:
8.32
